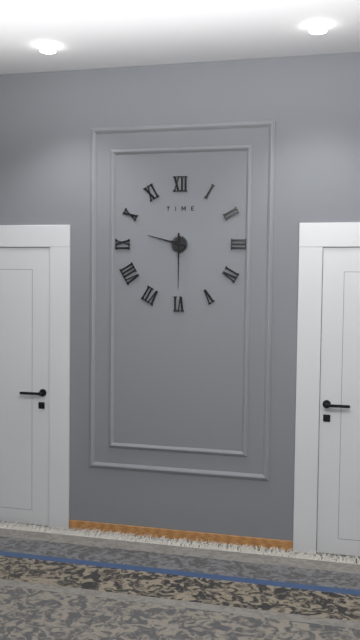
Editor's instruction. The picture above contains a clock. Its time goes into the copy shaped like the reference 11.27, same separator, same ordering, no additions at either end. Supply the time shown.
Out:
9.30
